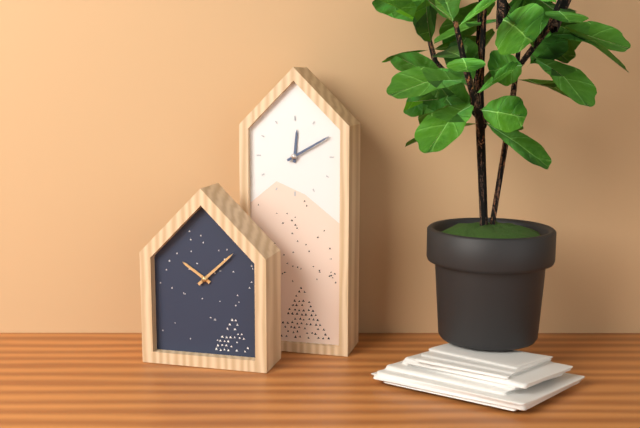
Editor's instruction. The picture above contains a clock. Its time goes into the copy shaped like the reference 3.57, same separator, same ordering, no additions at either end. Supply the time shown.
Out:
12.10
